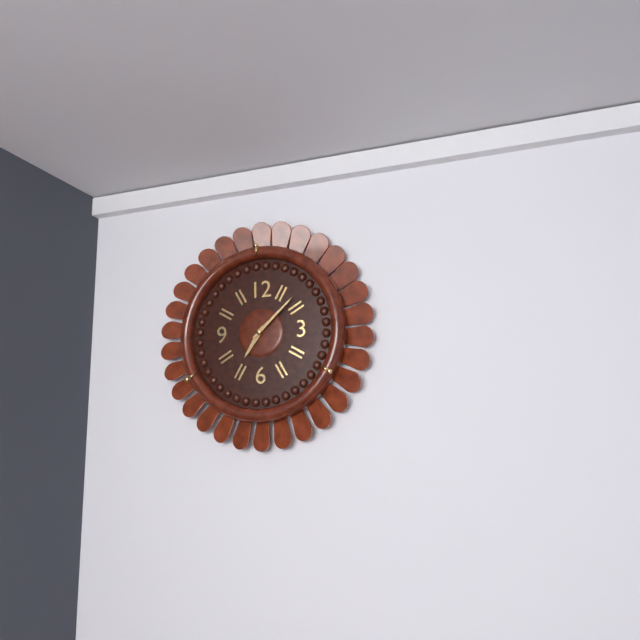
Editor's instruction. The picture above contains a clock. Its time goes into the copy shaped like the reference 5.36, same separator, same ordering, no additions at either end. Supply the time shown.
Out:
7.08
